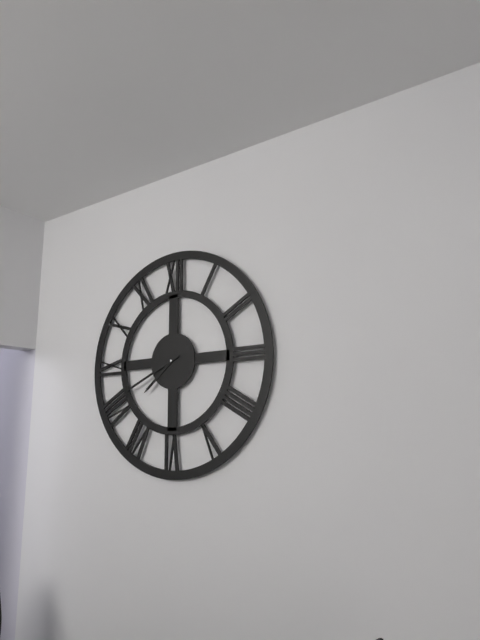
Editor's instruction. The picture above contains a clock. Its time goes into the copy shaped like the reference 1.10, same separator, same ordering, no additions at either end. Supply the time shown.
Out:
7.41
